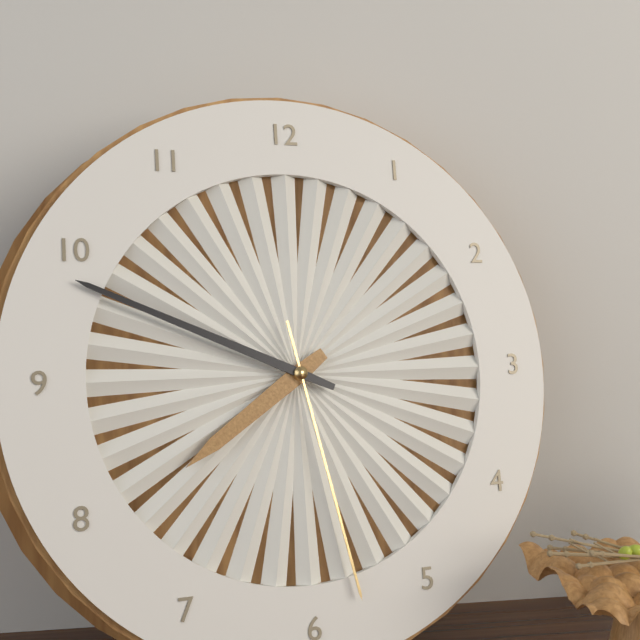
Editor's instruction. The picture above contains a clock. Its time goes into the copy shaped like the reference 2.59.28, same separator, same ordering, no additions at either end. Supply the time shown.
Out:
7.49.28
